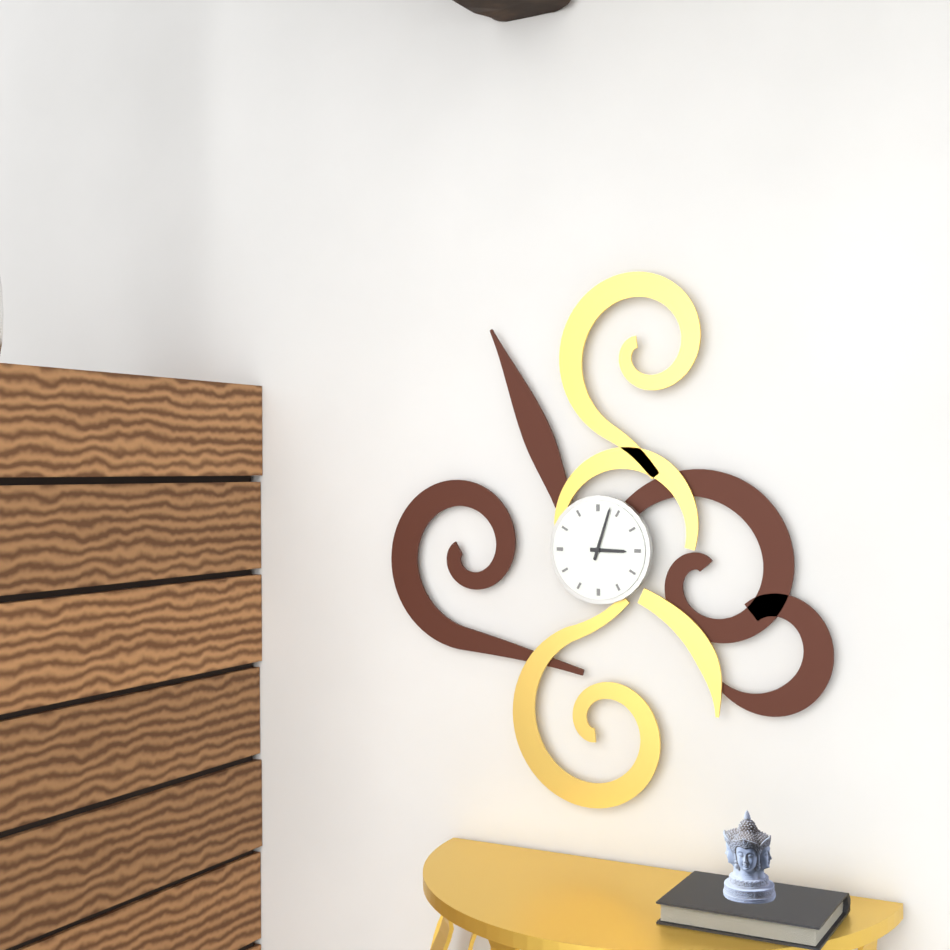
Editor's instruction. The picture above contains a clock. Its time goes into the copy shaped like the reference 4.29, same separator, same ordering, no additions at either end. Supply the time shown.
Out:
3.03
